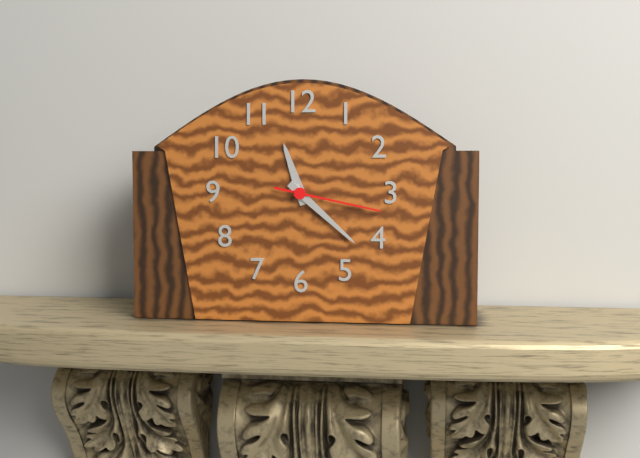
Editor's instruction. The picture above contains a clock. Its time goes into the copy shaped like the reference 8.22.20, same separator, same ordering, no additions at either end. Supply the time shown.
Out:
11.22.17
